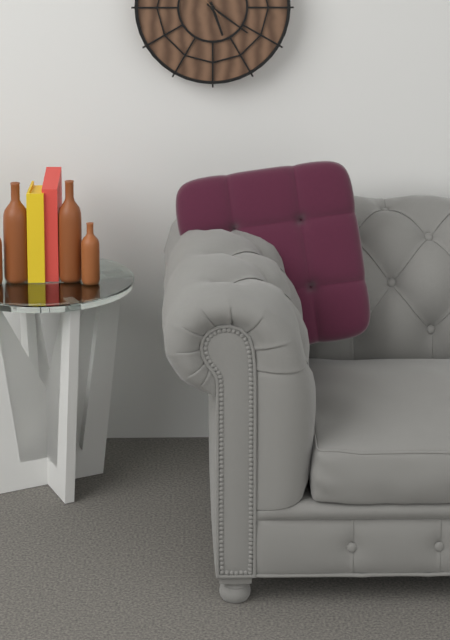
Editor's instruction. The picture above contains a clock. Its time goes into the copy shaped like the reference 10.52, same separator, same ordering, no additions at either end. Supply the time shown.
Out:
5.21
